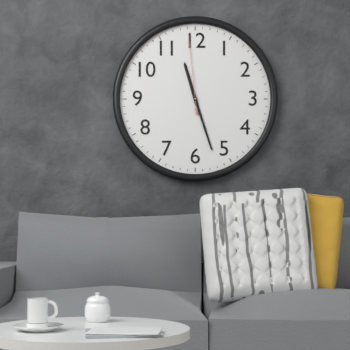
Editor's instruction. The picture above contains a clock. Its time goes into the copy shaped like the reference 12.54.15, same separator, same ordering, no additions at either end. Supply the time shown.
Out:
11.27.59
